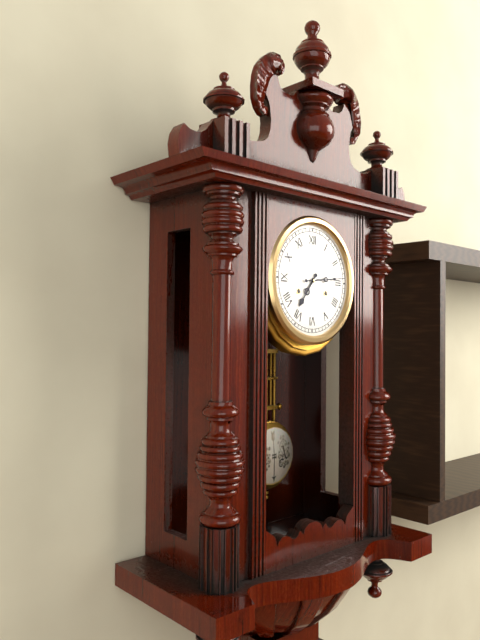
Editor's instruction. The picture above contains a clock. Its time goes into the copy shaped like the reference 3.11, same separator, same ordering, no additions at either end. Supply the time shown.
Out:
7.14
